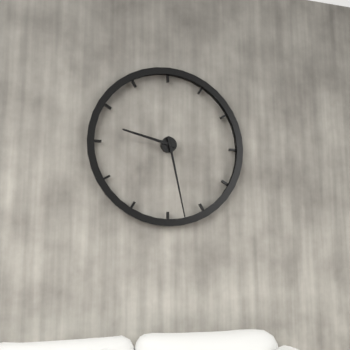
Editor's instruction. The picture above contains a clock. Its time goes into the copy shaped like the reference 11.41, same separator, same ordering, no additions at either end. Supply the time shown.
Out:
9.28
